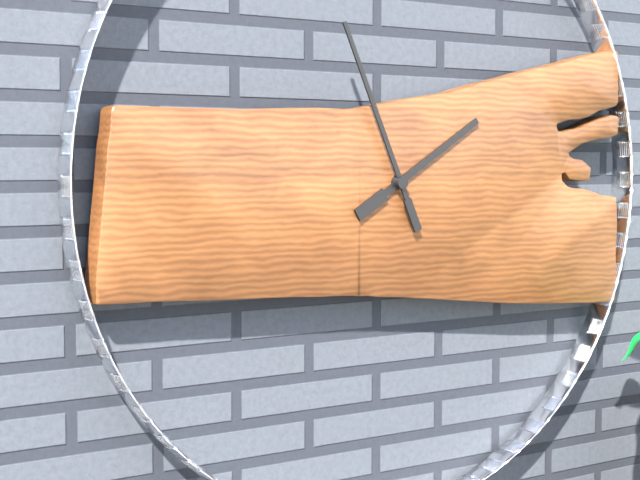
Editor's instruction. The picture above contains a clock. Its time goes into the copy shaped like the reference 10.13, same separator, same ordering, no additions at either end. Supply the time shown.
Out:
1.56
